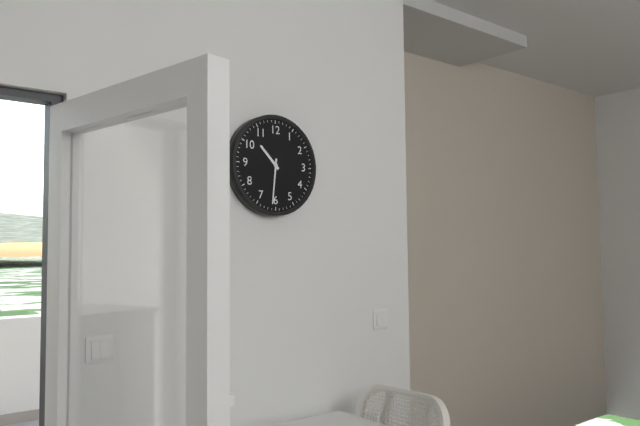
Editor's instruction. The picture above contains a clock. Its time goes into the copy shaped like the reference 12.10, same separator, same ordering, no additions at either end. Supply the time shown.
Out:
10.31
